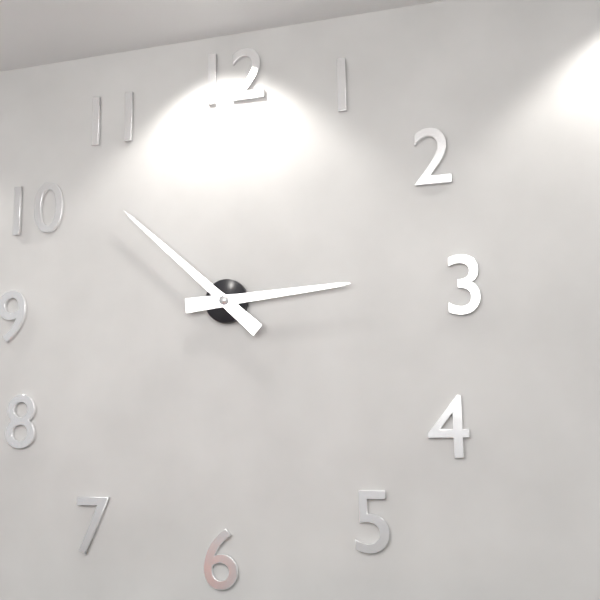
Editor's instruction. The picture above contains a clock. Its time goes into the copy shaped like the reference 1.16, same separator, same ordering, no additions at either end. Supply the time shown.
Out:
2.52
